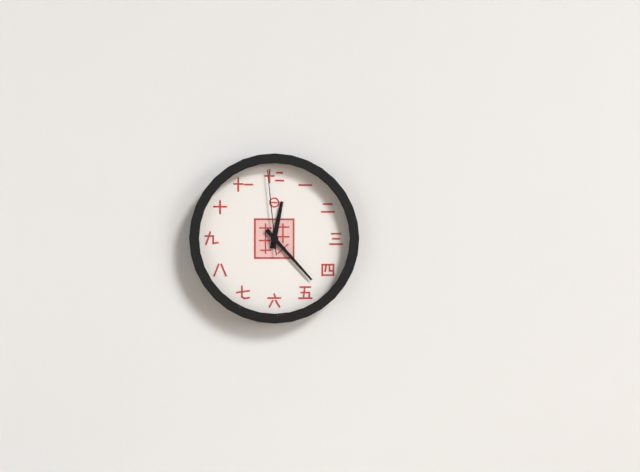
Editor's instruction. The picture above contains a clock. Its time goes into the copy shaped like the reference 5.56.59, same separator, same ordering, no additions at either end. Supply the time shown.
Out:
12.23.59
